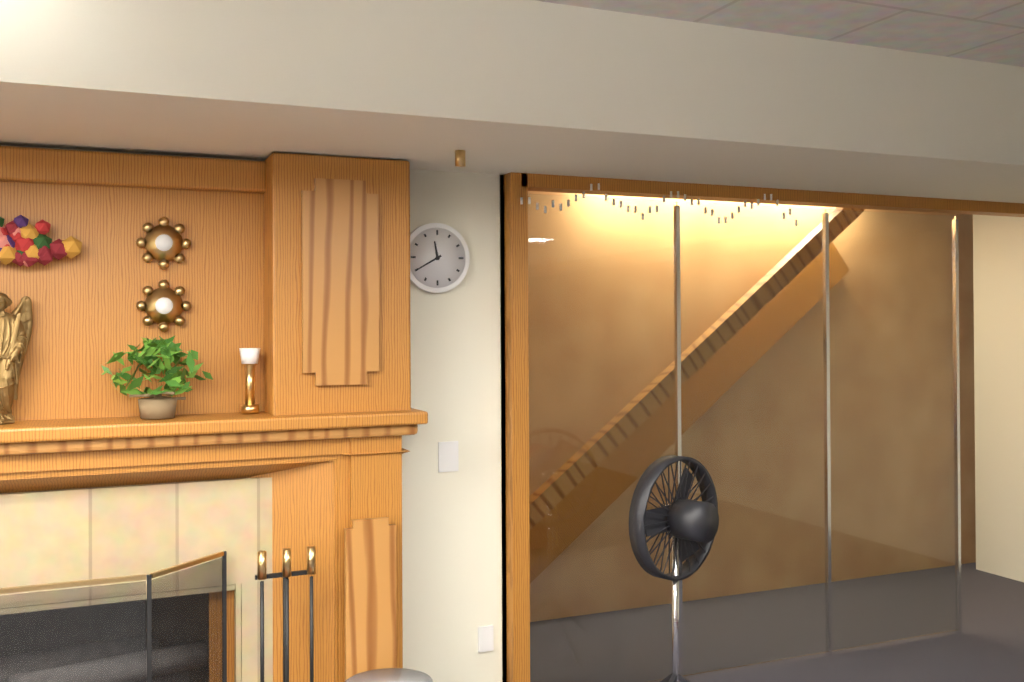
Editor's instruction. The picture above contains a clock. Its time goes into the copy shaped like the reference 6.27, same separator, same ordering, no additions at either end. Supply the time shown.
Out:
11.40
